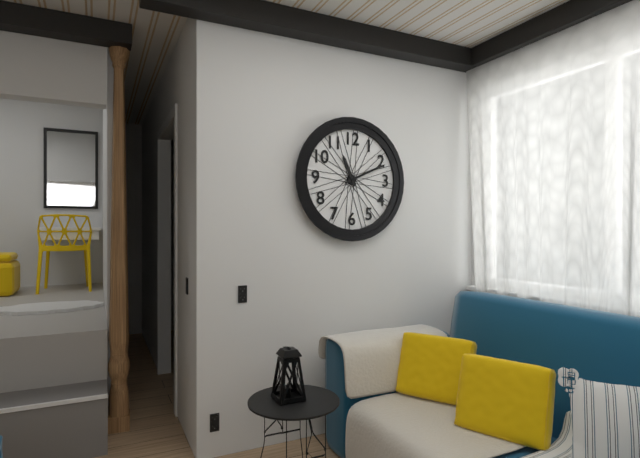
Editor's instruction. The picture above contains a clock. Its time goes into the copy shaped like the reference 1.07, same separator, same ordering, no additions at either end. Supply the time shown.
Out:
11.11
